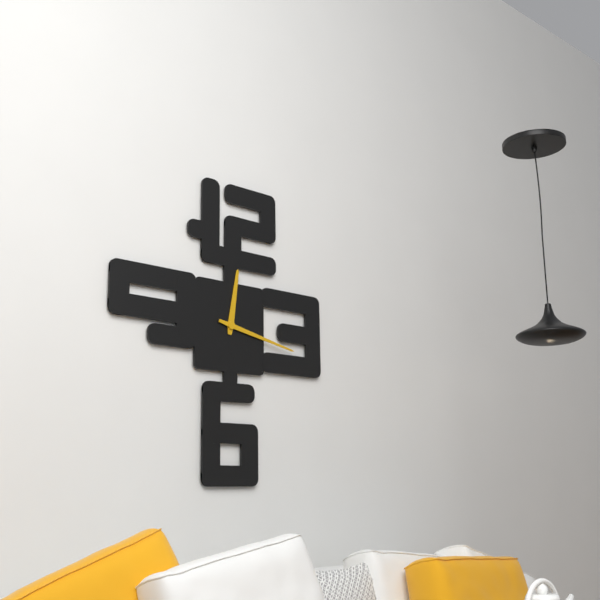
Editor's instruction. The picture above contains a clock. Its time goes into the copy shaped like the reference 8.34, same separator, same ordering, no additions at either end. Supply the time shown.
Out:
12.17
